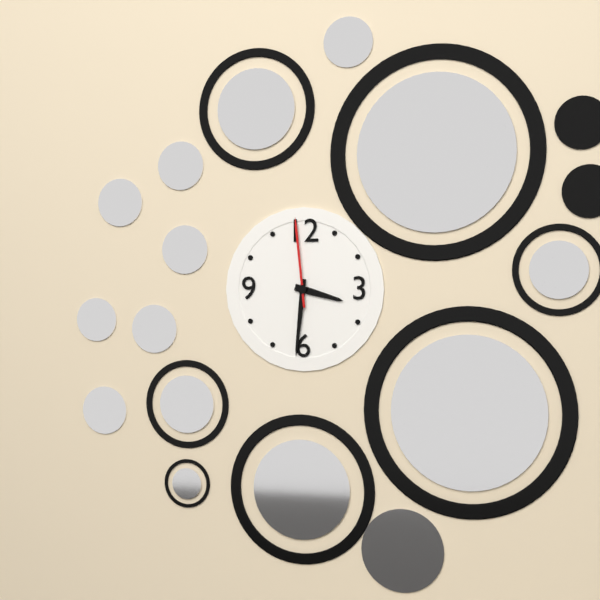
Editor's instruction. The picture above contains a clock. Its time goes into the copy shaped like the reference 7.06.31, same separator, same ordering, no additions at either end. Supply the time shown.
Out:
3.31.59
